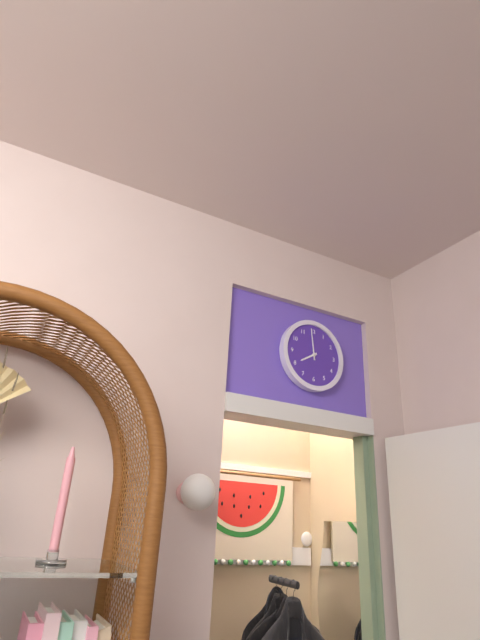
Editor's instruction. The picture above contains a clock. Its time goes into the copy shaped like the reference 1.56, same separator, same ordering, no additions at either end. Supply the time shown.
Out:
7.59
